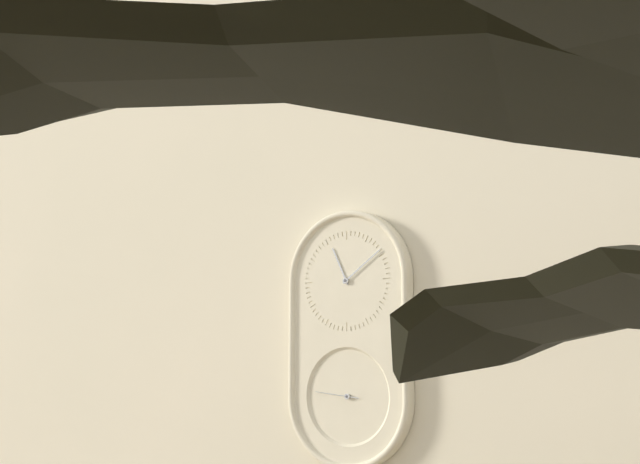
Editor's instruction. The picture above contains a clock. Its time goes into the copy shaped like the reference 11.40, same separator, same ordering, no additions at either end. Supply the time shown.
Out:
11.09
